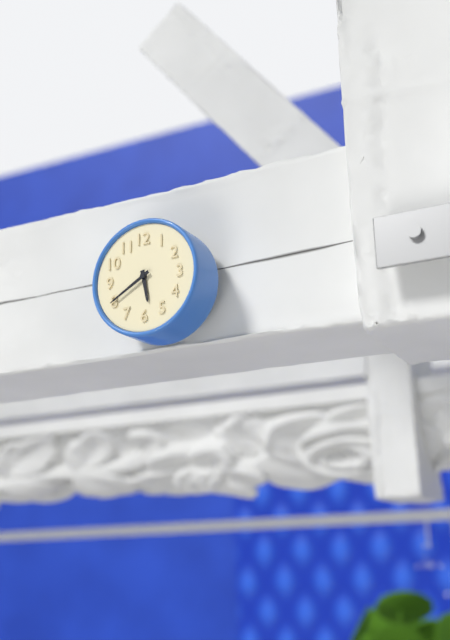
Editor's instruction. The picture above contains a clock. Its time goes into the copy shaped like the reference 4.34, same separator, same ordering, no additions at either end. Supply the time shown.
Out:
5.40
